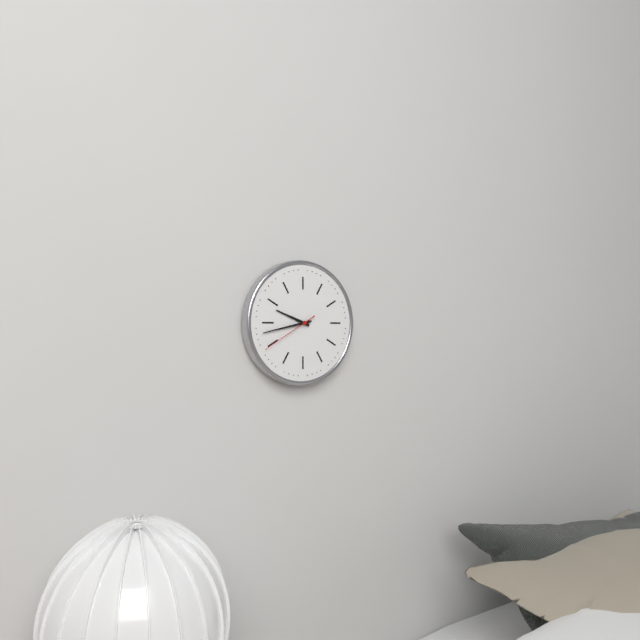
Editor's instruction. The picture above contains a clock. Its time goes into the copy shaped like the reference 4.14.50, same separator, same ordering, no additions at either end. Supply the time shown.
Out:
9.43.40
